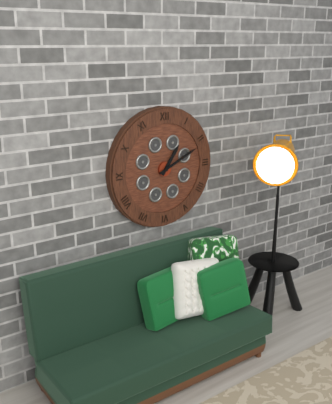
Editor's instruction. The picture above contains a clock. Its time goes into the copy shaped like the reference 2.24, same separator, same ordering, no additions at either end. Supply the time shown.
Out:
1.11
